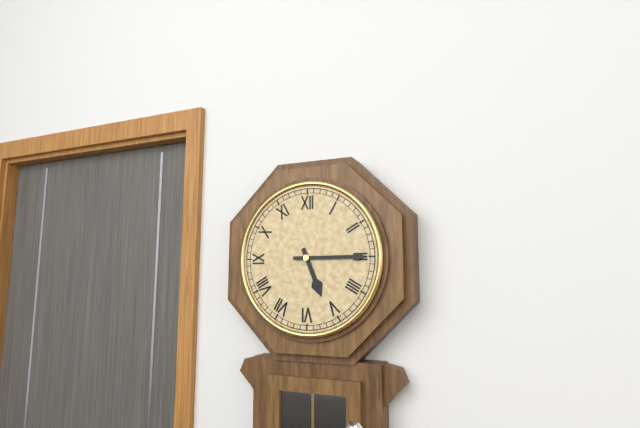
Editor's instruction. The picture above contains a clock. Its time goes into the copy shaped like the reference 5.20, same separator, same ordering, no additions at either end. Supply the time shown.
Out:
5.15
